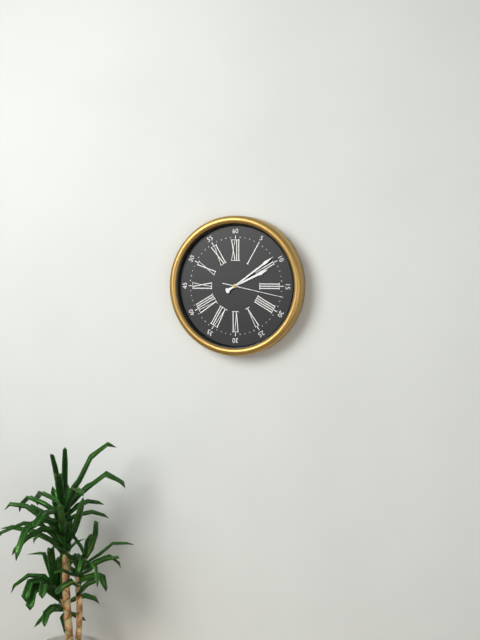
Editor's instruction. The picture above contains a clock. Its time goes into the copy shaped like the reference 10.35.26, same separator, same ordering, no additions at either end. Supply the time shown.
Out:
2.09.17
